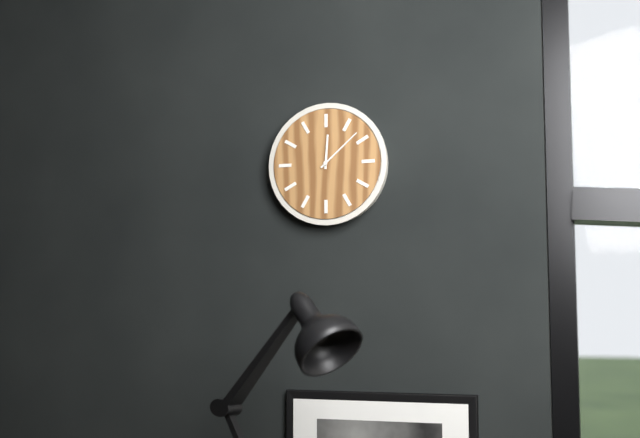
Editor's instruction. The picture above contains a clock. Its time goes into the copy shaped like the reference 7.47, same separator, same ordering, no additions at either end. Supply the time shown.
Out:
12.08
